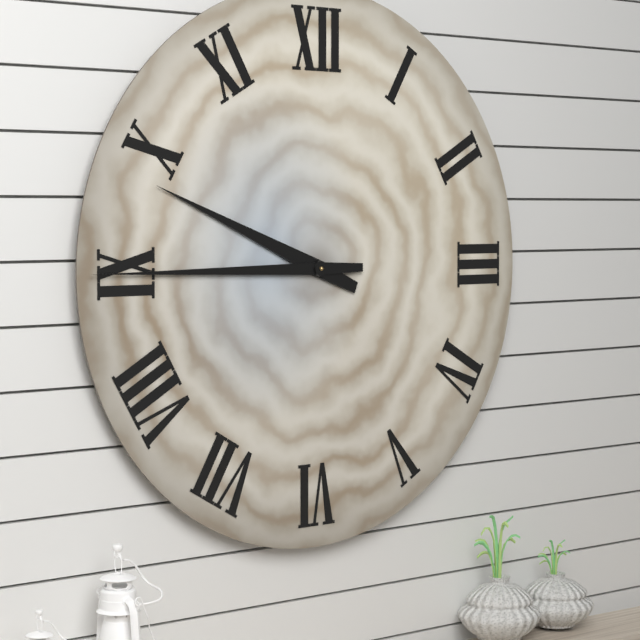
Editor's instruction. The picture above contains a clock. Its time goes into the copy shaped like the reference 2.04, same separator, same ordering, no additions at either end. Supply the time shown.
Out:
9.45
